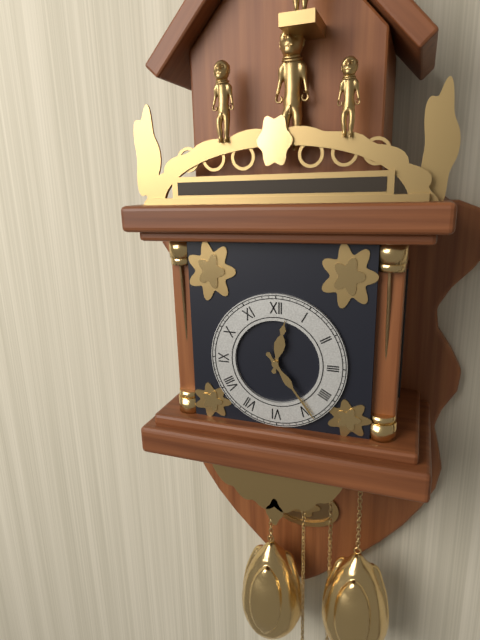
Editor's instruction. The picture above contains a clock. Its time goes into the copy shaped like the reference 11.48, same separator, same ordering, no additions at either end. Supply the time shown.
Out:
12.24
